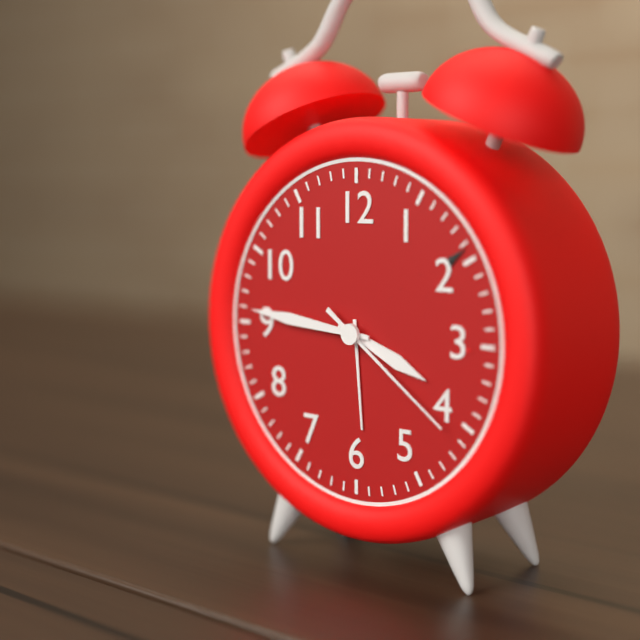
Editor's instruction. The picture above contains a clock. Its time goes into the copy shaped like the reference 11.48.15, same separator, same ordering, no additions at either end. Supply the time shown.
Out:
3.46.21
